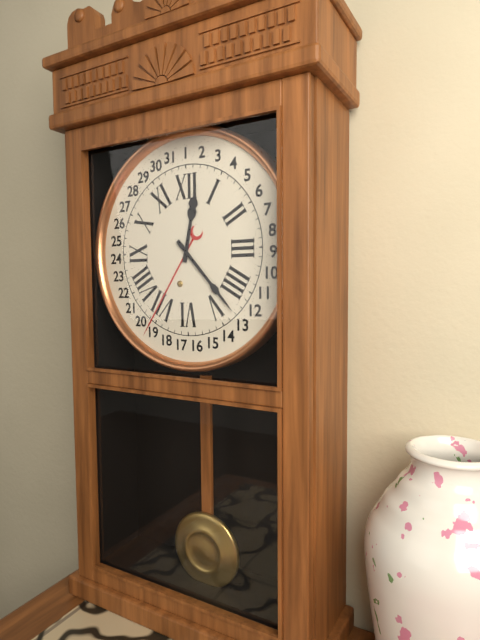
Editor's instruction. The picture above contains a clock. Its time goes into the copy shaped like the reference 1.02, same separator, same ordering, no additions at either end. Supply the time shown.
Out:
12.23
